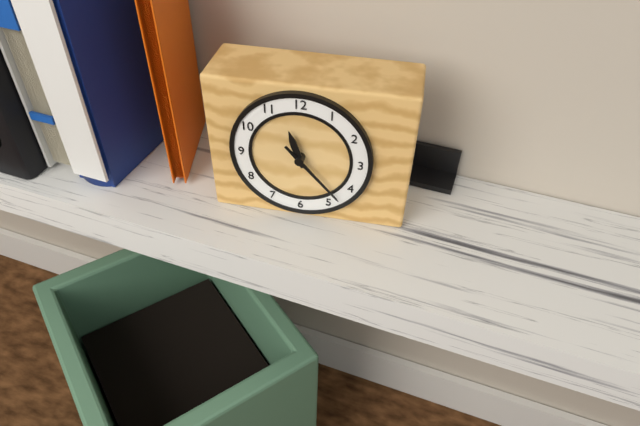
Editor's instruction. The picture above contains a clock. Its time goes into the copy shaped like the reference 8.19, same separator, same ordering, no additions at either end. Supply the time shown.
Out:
11.23
